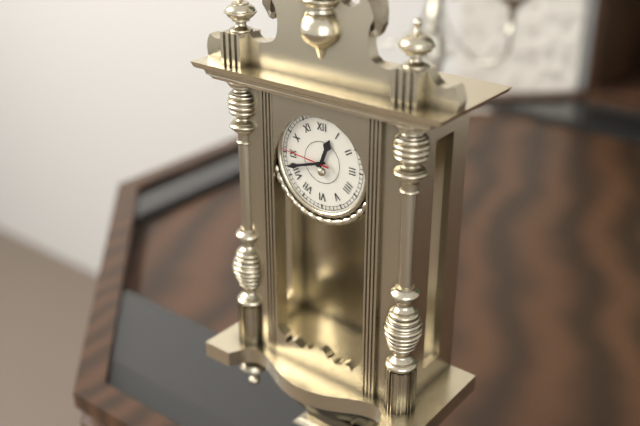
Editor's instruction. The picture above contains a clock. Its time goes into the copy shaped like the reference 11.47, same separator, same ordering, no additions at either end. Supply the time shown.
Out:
12.42
